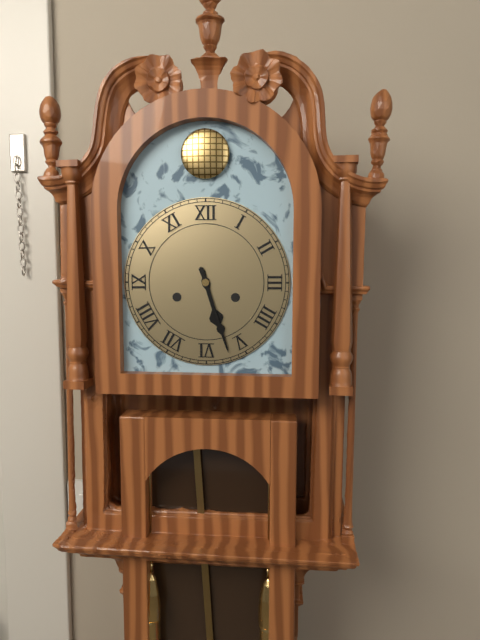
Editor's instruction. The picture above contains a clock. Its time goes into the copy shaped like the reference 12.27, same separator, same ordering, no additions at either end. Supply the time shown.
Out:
5.27
